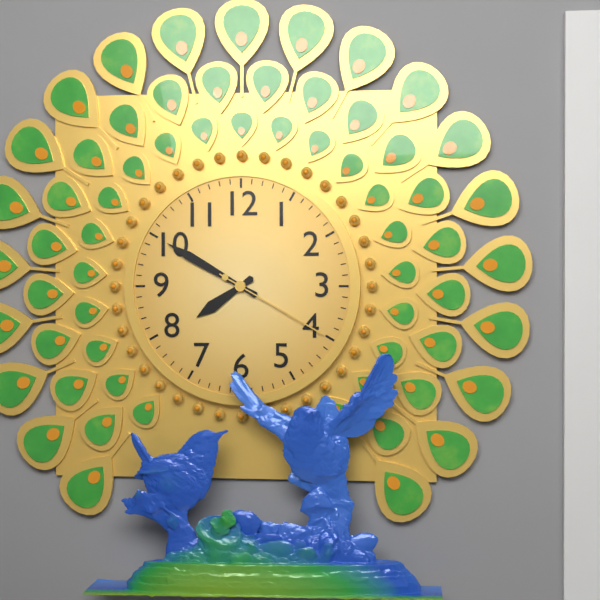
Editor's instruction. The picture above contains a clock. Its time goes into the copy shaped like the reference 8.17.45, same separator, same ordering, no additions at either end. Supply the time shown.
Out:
7.50.20
